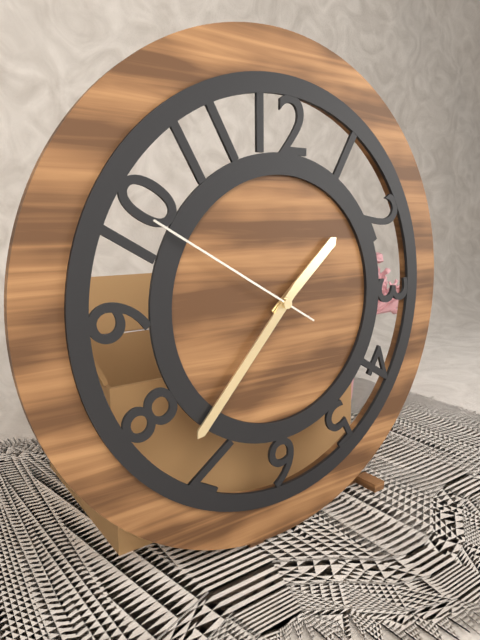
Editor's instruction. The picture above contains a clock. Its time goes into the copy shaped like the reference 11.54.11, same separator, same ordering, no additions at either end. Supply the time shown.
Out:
1.37.50
